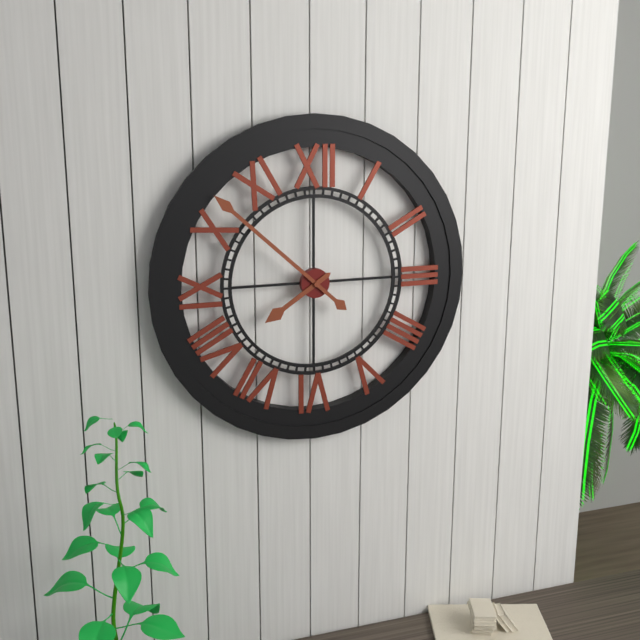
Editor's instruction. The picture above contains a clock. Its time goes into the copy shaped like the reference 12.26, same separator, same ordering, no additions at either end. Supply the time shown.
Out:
7.52
